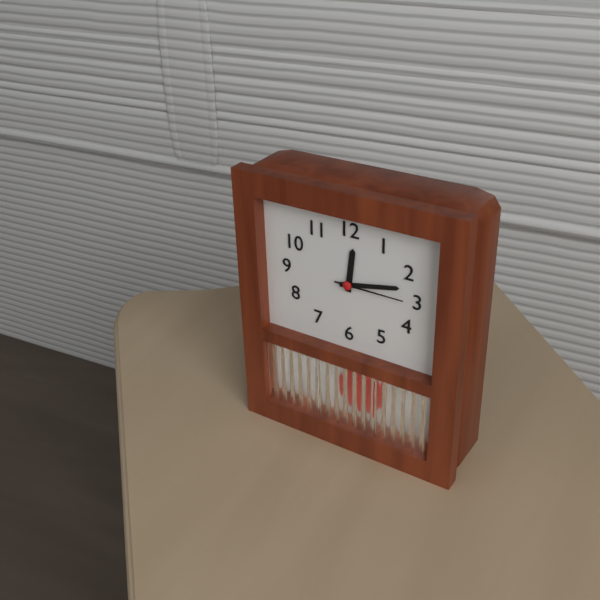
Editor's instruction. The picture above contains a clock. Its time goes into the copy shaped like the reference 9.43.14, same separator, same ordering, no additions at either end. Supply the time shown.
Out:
12.13.15
